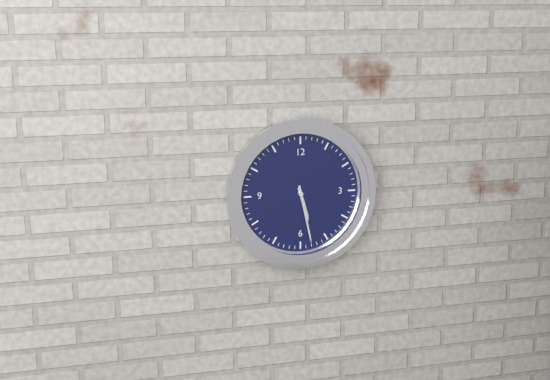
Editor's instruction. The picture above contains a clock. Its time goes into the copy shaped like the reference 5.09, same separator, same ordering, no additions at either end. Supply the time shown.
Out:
5.28
